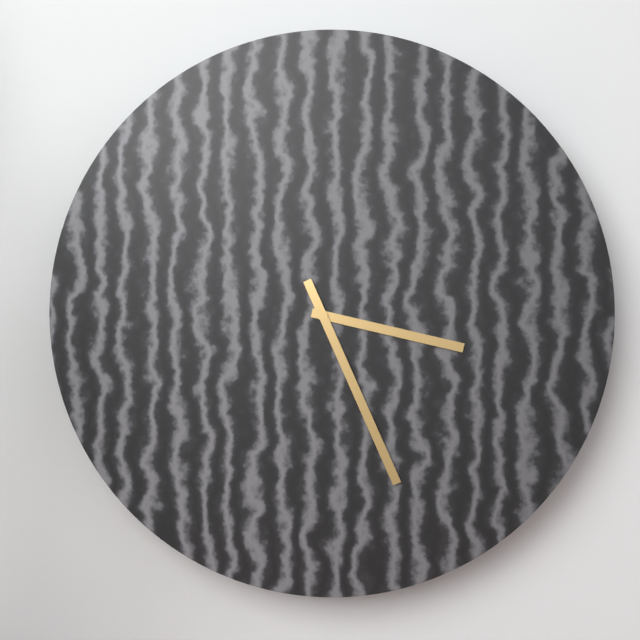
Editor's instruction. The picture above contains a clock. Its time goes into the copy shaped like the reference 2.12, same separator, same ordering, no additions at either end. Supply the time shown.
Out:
3.26
